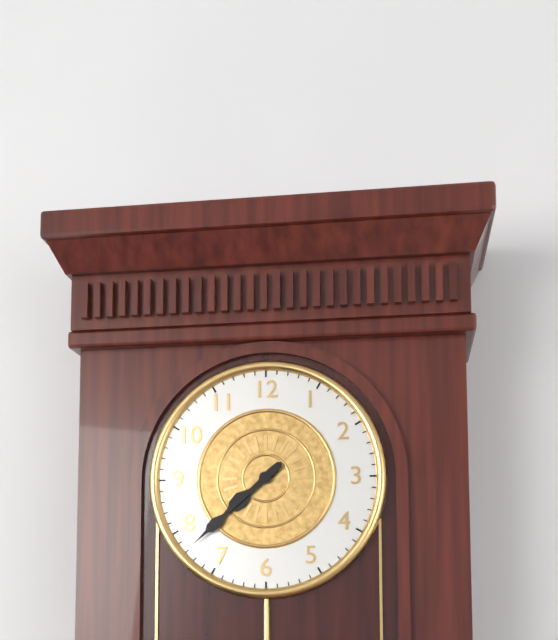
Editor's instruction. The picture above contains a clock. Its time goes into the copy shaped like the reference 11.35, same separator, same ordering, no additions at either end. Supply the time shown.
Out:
7.38
